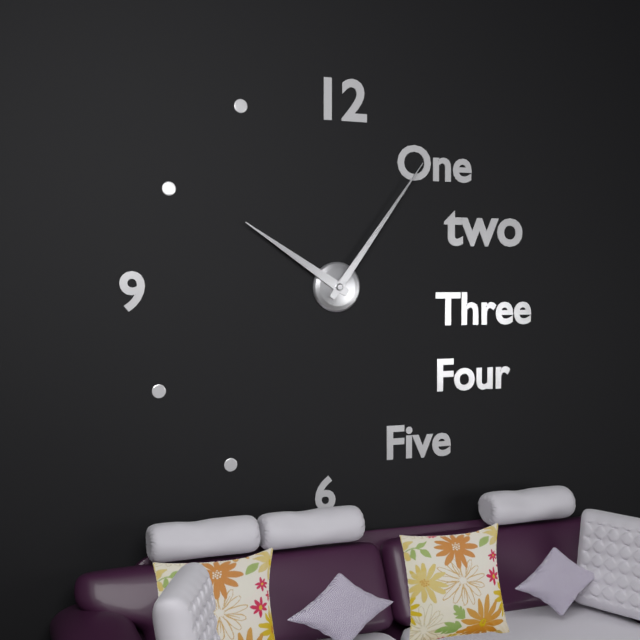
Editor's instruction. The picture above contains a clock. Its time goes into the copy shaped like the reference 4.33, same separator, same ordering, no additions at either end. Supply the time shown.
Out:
10.06
